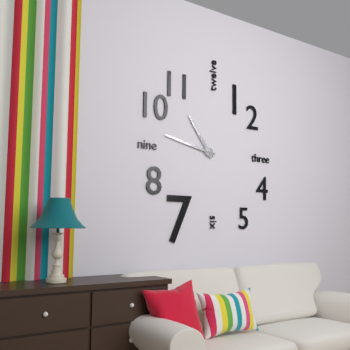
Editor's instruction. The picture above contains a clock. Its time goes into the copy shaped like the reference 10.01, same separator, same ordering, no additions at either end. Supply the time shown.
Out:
10.47
